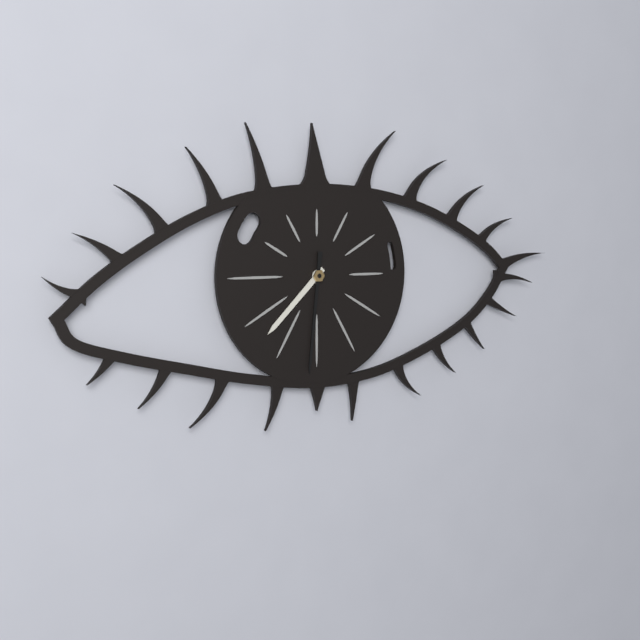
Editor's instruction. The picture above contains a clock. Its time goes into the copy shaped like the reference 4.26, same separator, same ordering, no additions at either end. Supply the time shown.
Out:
7.31
